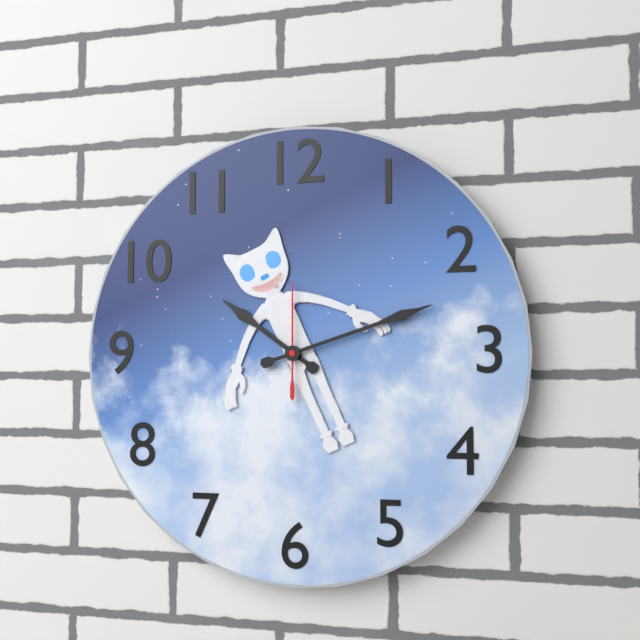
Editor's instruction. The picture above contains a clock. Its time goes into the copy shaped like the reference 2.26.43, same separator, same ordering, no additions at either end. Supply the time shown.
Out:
10.12.00
